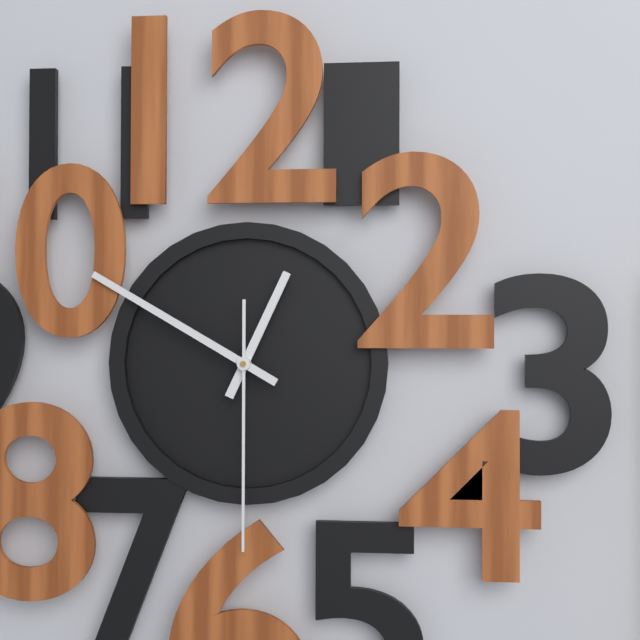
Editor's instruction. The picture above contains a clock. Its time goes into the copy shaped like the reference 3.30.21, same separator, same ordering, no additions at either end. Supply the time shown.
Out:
12.50.30
